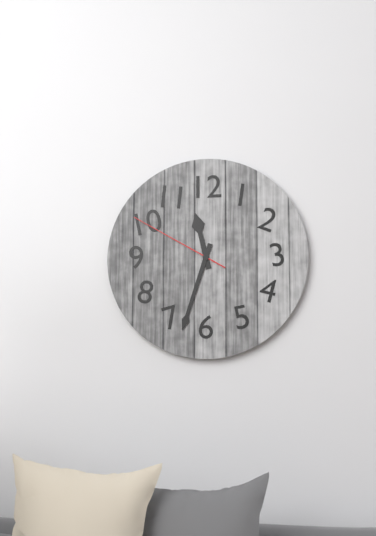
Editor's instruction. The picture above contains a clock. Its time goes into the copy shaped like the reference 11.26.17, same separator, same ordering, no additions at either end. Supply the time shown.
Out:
11.33.50
